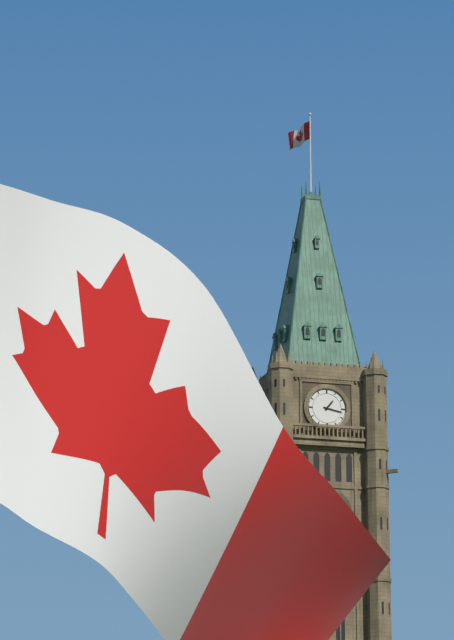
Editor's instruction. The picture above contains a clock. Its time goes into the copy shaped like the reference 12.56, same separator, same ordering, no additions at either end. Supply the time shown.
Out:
1.17
